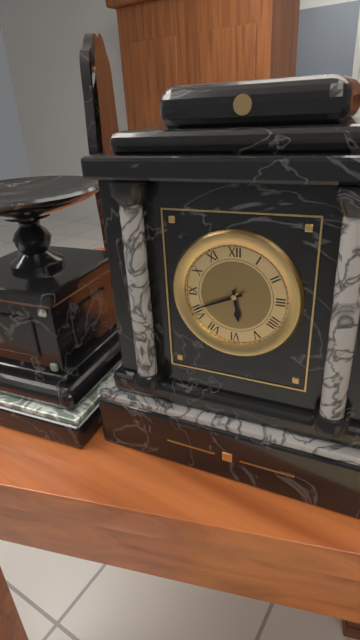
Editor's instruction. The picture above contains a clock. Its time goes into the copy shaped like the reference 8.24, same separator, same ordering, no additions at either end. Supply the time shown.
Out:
5.41
